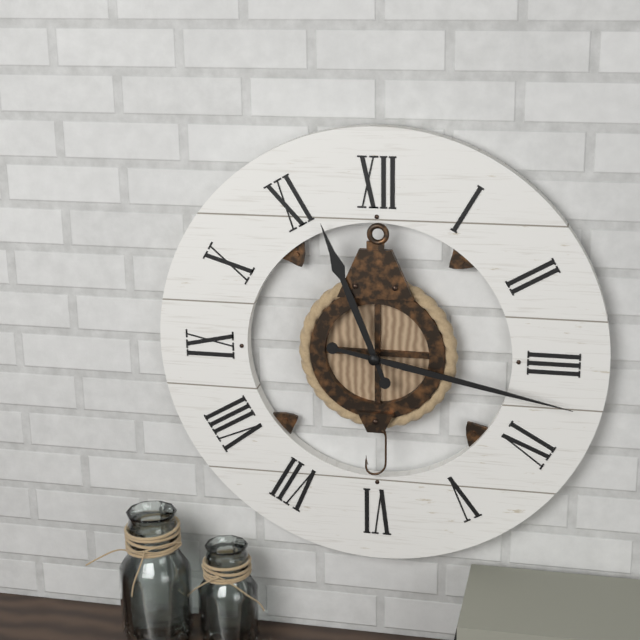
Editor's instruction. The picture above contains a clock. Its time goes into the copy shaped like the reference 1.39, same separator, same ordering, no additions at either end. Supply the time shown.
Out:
11.17
